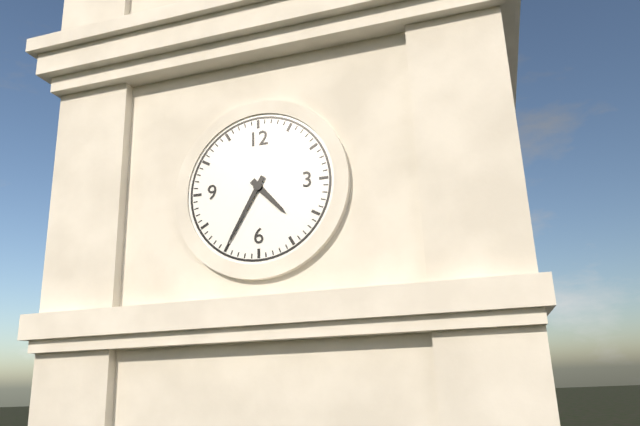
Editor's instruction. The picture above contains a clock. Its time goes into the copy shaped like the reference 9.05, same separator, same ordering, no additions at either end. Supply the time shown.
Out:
4.35
